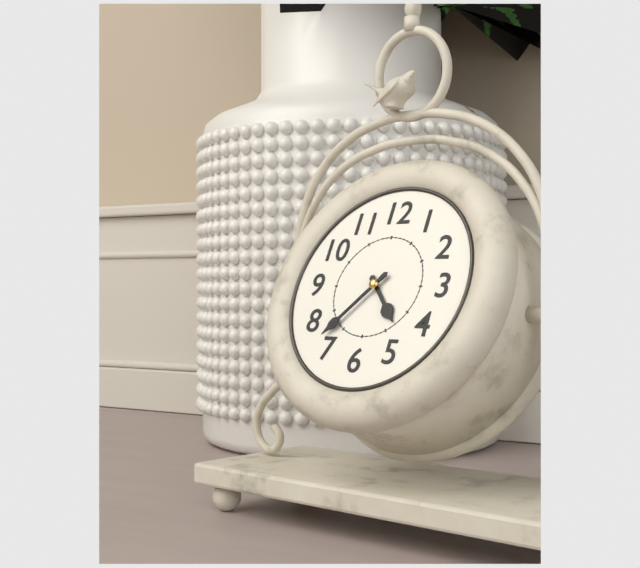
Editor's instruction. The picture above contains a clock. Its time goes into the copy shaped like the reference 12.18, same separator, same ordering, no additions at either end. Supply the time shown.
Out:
4.37
